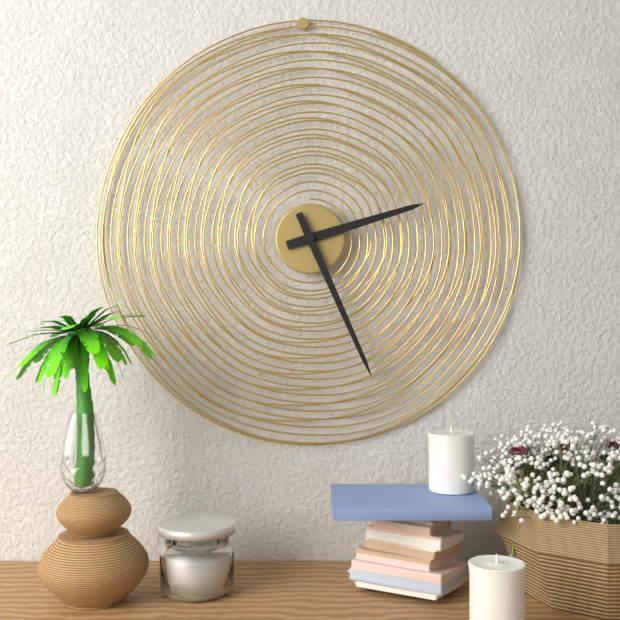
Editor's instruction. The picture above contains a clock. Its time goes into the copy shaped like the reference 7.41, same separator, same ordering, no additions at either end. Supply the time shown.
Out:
2.26
